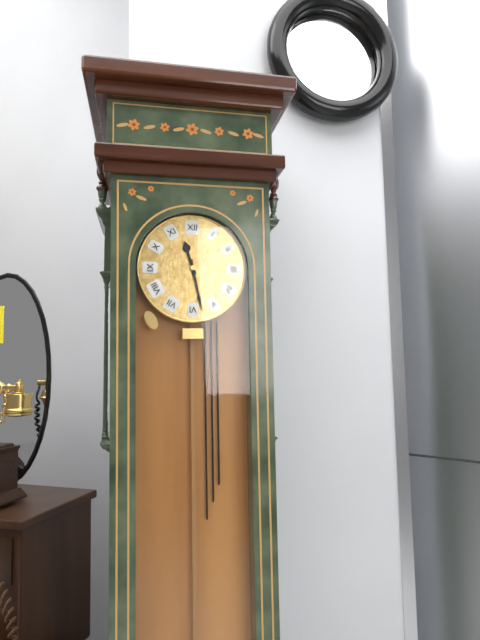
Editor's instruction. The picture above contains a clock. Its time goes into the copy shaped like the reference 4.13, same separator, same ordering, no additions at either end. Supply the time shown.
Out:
11.28
